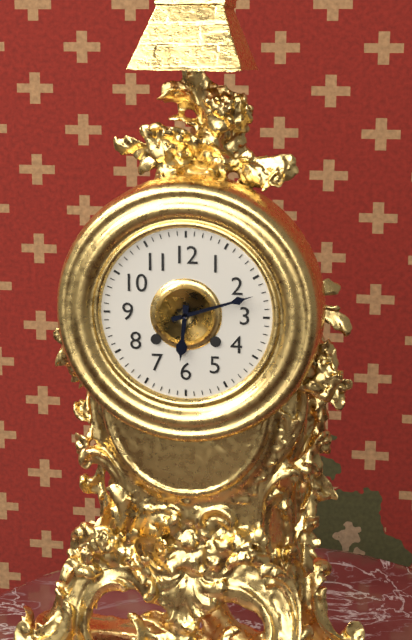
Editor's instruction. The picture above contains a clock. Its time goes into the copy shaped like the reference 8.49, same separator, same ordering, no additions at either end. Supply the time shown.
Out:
6.12
